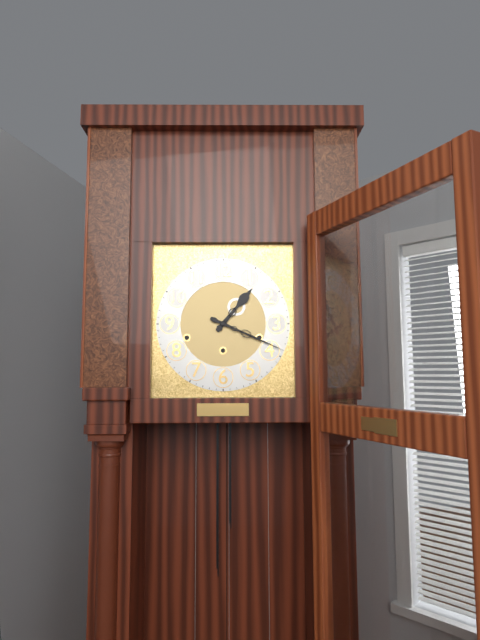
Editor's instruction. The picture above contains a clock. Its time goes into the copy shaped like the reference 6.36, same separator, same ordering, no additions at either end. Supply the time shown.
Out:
1.19
